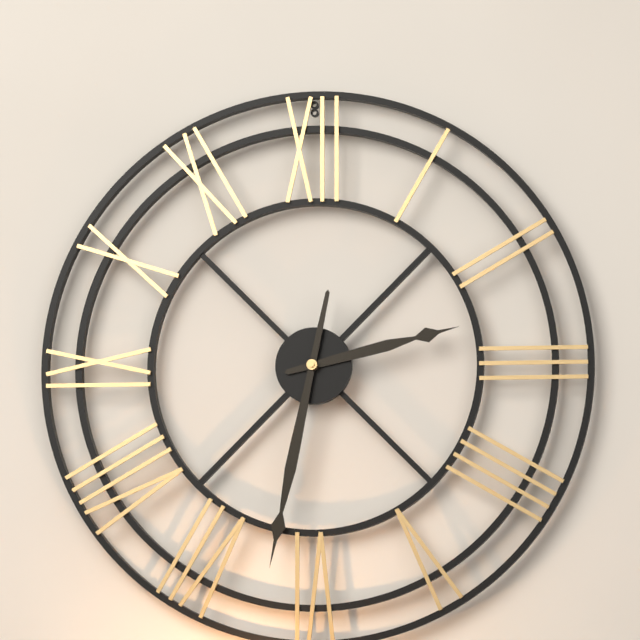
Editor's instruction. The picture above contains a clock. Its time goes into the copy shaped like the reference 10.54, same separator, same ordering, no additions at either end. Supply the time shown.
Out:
2.32
